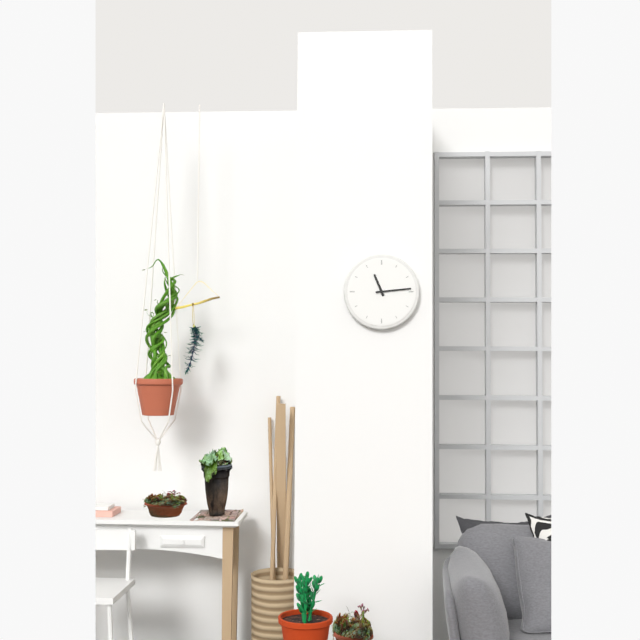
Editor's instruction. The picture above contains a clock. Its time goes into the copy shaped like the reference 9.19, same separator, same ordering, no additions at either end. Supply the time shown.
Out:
11.14
